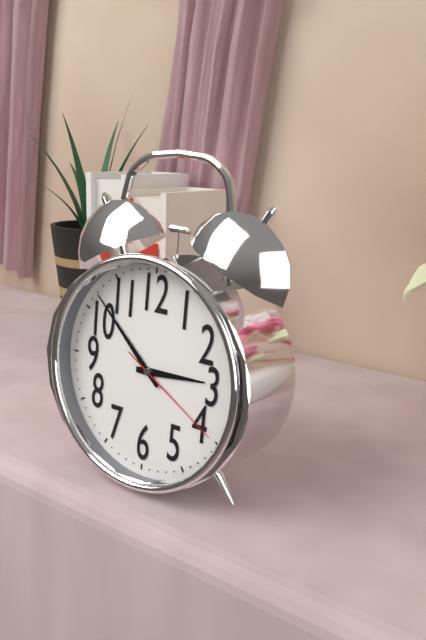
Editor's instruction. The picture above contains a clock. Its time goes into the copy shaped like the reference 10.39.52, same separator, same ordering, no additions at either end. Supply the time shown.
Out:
2.52.20
